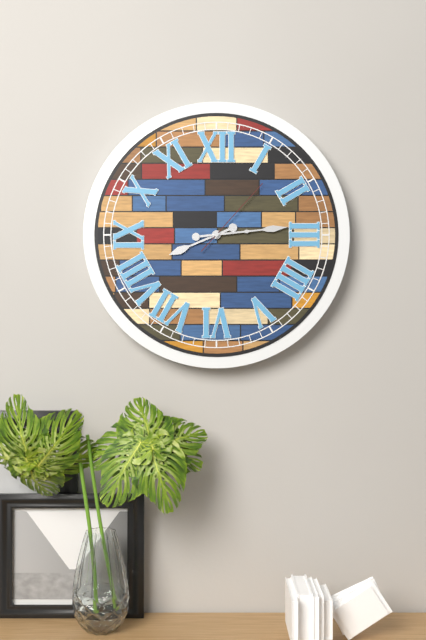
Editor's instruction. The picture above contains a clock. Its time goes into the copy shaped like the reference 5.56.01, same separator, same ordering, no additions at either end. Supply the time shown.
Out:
8.14.07
